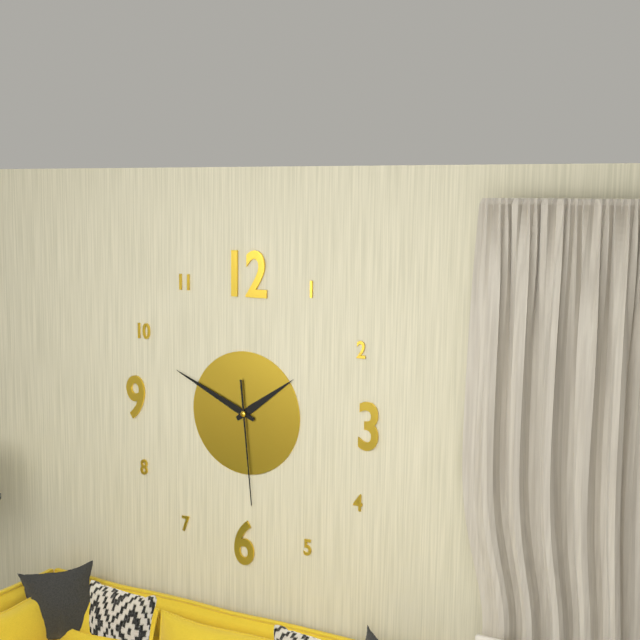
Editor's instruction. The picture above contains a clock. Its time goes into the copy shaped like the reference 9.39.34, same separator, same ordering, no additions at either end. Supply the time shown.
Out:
1.49.29
